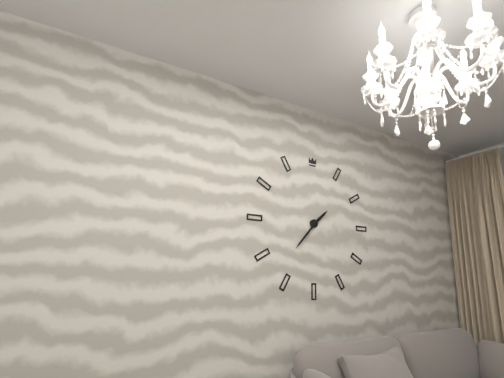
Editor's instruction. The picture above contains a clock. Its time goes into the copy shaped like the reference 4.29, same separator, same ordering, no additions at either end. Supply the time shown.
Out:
1.37
